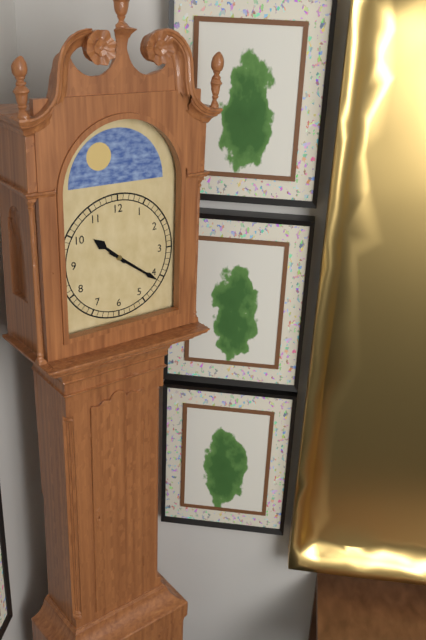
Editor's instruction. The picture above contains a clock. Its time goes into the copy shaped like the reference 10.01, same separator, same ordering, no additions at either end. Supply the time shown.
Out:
10.21
